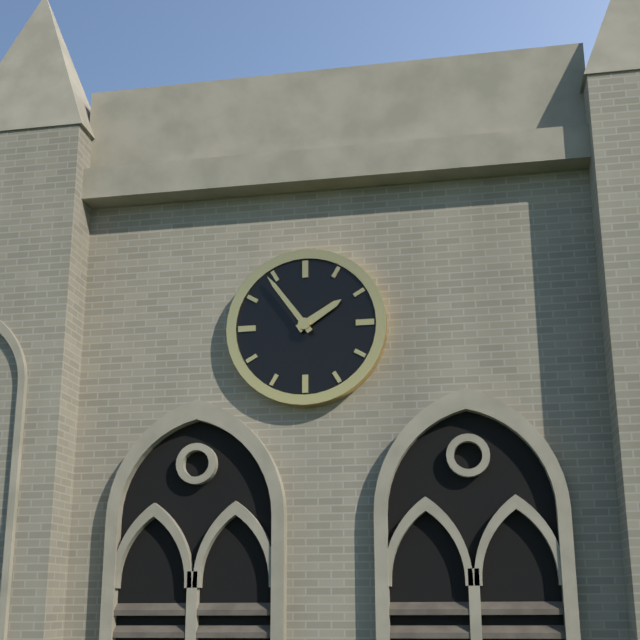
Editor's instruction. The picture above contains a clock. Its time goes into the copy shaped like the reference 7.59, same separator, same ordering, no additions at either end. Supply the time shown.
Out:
1.54
